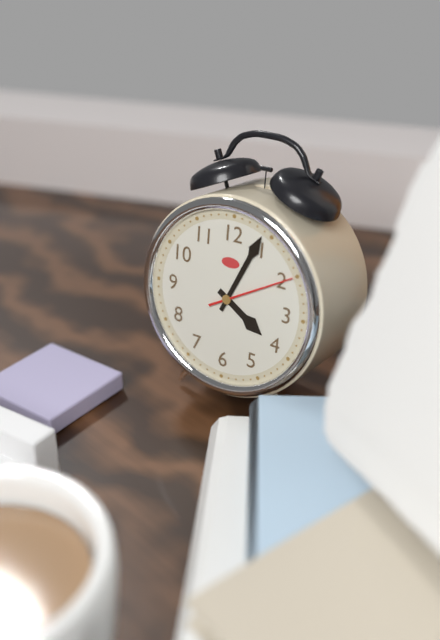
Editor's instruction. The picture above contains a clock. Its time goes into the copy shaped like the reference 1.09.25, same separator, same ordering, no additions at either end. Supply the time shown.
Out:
4.04.10
